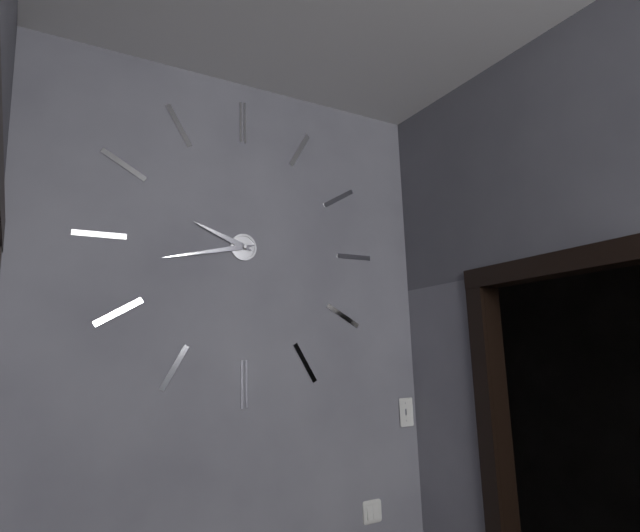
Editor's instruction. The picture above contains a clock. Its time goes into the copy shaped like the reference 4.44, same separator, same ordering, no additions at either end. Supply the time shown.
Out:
9.43
